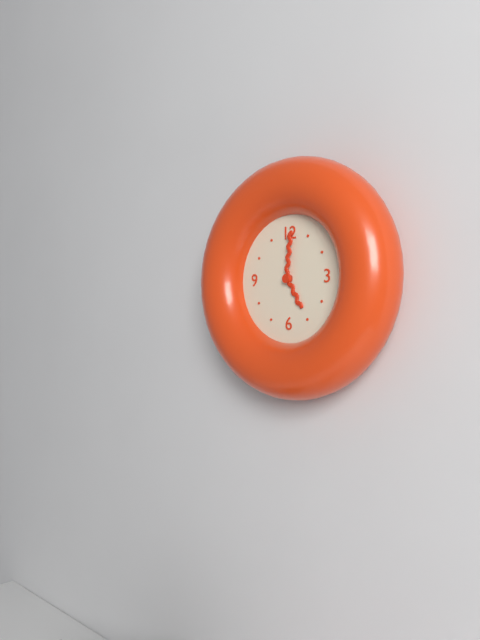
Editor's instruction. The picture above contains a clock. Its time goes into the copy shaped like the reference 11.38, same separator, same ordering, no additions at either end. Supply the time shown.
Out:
5.01
